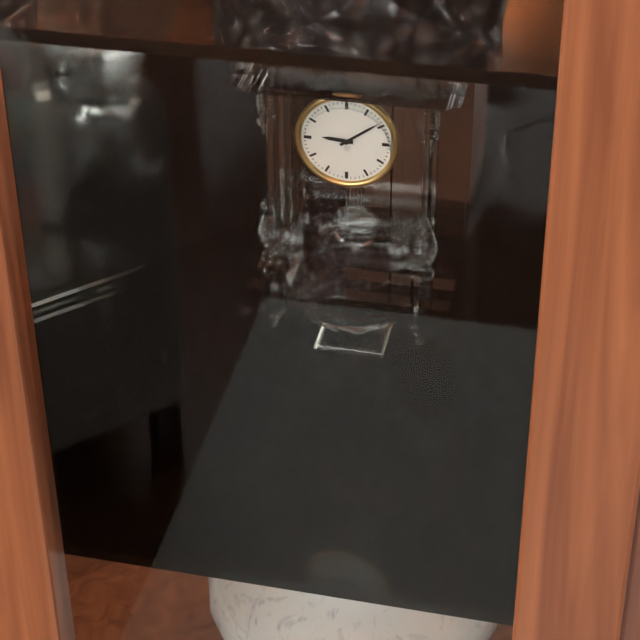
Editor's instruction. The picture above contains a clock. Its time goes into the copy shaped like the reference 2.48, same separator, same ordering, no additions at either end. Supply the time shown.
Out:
9.09
